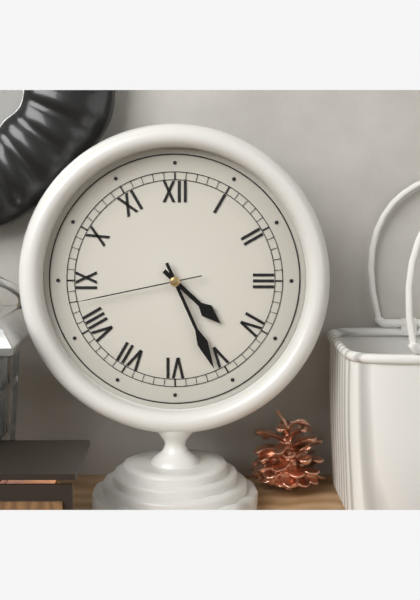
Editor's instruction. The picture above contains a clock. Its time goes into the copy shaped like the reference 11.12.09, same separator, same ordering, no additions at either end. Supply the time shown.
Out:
4.26.43
